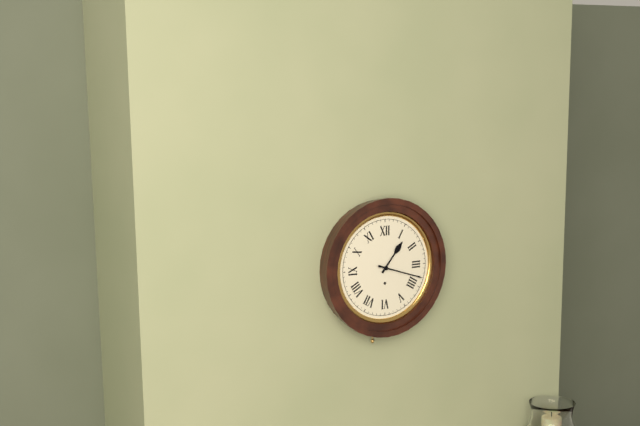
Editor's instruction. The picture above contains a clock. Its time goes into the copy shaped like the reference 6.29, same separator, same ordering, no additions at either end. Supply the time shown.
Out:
1.18
